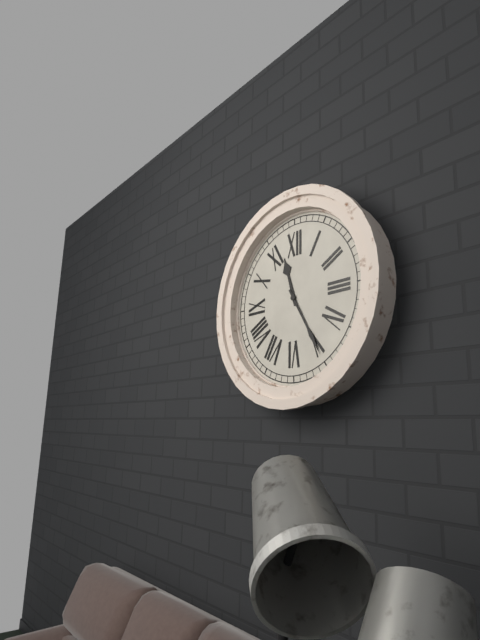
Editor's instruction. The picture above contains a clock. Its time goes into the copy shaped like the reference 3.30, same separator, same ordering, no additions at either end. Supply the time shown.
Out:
11.25
